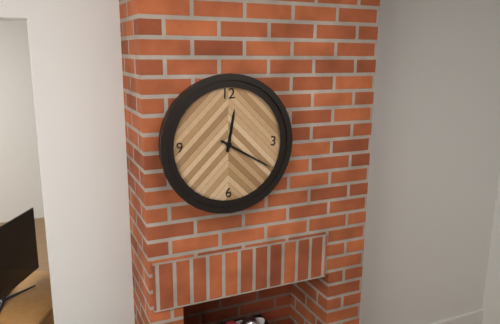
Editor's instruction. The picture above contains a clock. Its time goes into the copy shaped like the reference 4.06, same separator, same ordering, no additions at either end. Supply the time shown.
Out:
12.20
